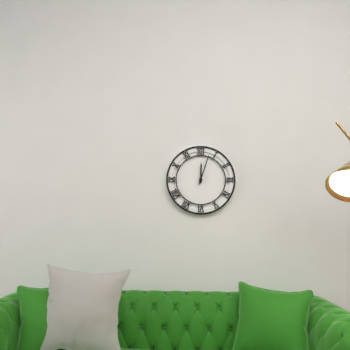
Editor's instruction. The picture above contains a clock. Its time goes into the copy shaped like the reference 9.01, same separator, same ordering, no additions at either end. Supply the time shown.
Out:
12.03
